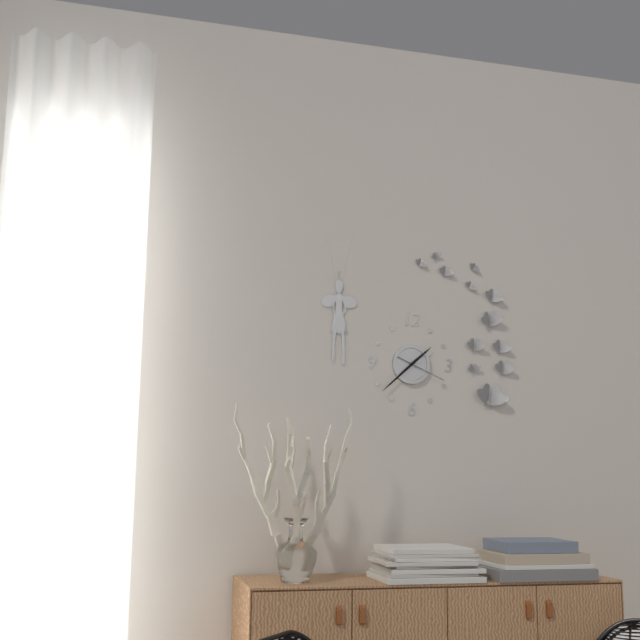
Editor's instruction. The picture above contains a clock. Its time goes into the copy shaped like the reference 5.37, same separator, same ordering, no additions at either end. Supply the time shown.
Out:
1.38
